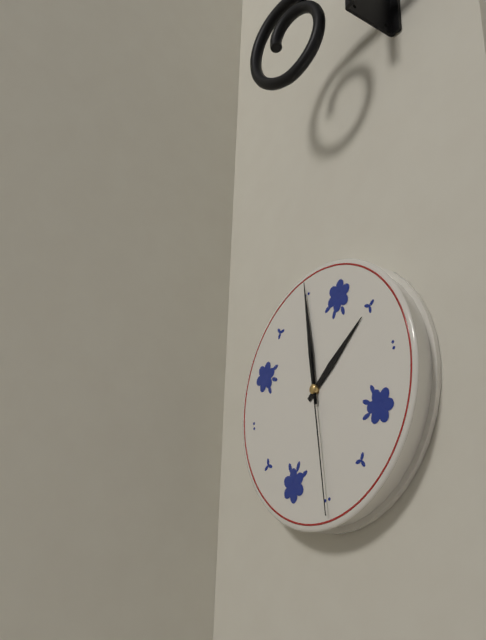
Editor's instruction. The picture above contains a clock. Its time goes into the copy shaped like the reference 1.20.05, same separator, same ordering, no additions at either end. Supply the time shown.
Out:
2.00.30
